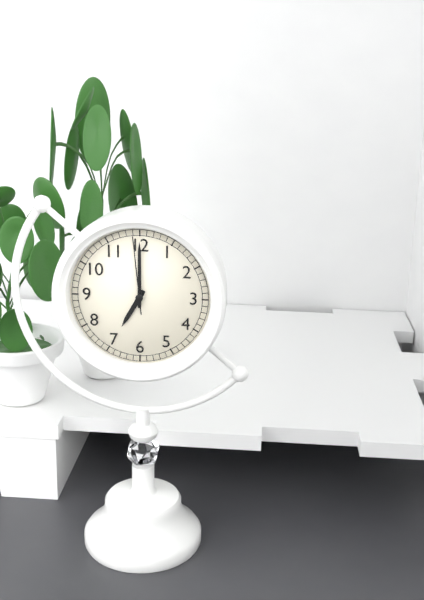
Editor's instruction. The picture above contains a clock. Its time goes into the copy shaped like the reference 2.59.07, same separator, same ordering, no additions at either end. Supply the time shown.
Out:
7.00.59
